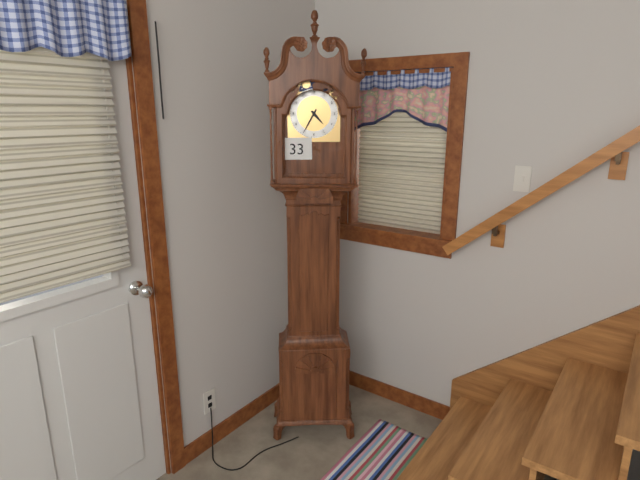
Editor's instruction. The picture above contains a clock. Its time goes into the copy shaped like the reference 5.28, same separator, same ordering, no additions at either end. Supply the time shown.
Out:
4.35
